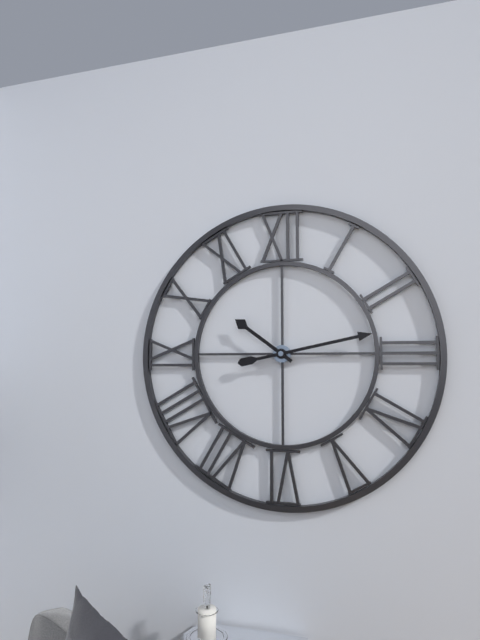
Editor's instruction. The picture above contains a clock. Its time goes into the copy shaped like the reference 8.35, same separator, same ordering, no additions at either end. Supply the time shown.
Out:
10.13
